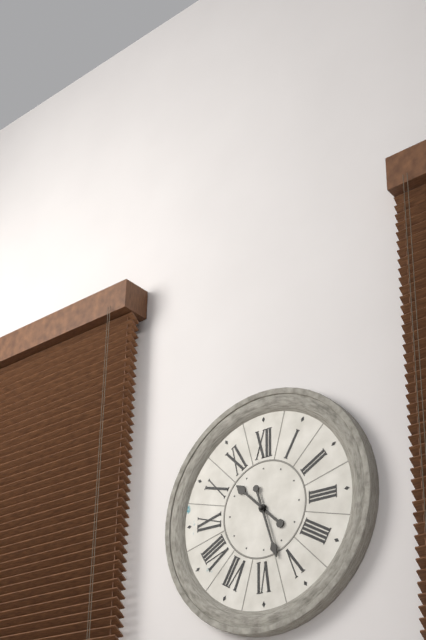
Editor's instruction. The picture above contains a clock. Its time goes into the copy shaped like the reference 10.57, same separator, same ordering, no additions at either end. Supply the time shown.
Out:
10.27
